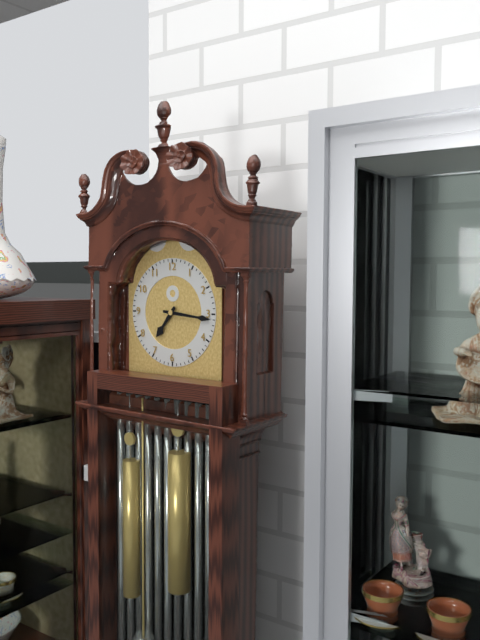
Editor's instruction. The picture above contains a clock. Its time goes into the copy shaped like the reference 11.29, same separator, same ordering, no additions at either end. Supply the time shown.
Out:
7.16
